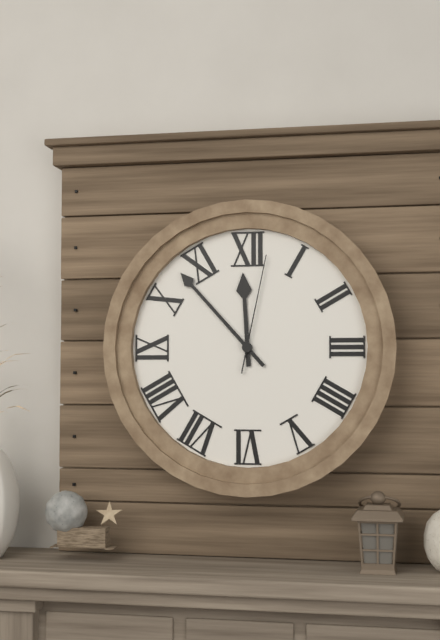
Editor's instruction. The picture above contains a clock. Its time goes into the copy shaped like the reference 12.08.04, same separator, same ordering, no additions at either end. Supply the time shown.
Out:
11.53.02
